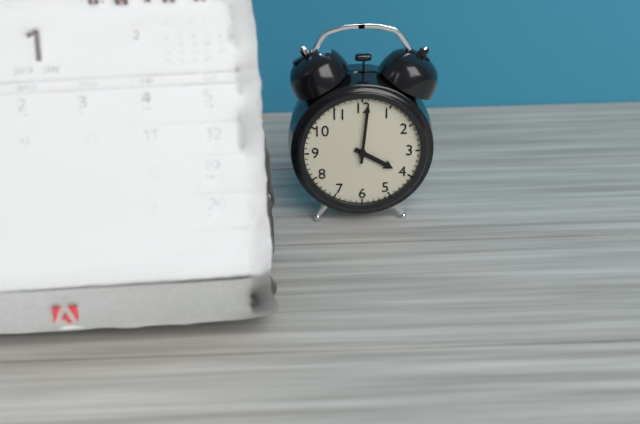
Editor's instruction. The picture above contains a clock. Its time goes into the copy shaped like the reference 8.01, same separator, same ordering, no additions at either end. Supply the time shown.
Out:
4.01
